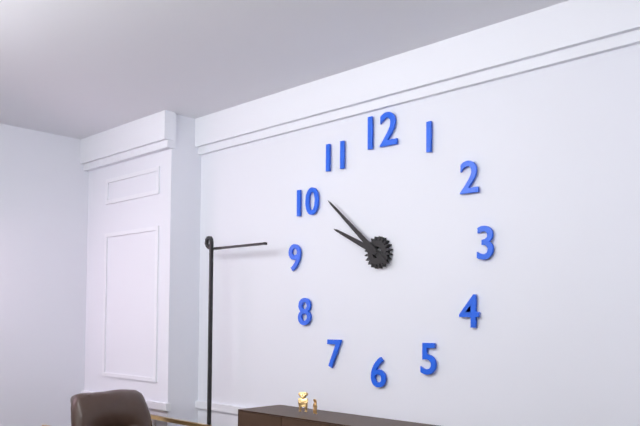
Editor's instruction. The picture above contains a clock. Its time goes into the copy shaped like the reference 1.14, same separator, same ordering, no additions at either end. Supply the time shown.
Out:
9.52
